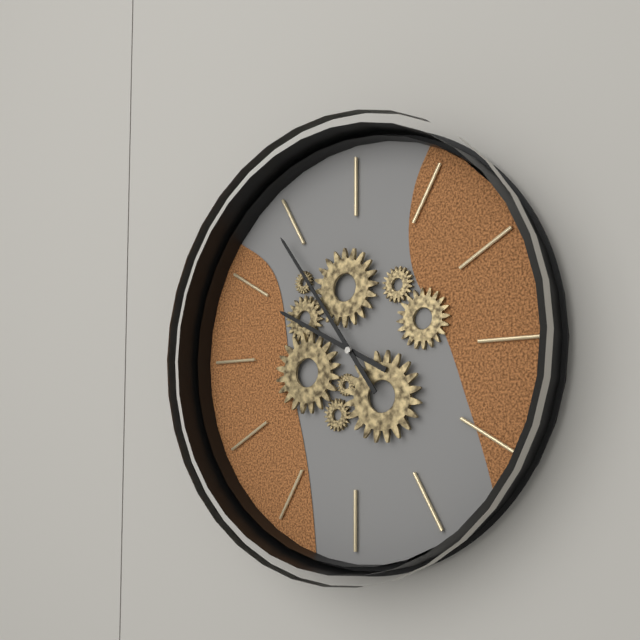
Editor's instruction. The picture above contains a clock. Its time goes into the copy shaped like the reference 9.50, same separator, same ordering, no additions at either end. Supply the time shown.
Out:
9.54
